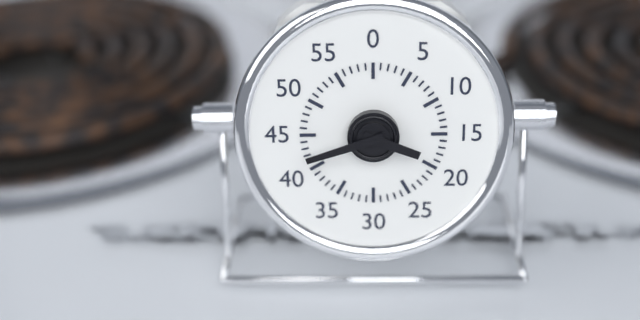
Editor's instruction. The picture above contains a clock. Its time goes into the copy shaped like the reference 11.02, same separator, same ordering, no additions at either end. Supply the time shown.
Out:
3.42
